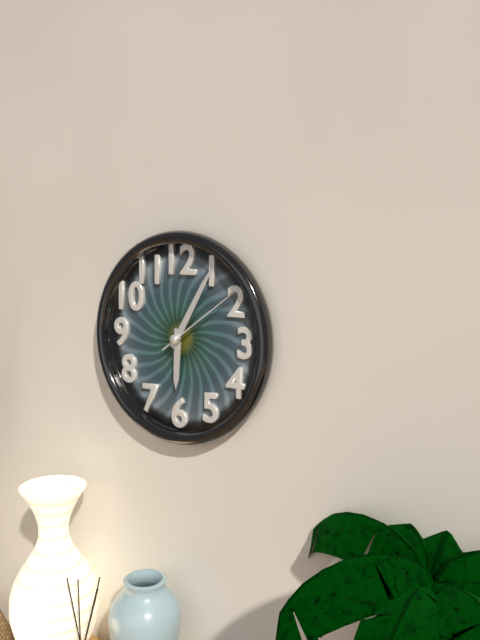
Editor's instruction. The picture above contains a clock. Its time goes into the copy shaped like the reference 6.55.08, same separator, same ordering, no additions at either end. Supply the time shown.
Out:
6.05.09
